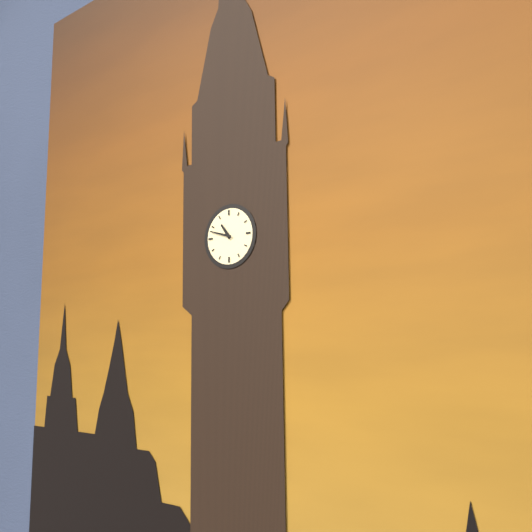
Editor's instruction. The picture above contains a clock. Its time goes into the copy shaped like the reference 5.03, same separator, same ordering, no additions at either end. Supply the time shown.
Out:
10.48
